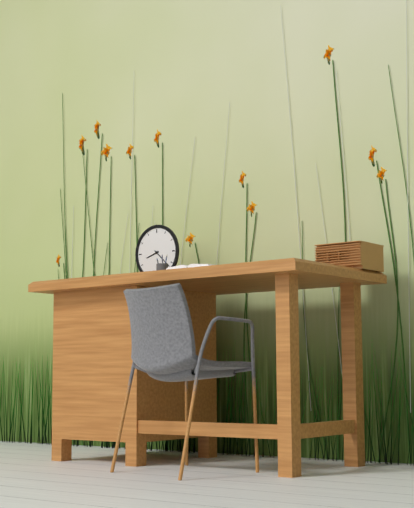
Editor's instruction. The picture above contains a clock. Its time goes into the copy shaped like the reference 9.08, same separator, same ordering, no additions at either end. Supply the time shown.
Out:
8.22
